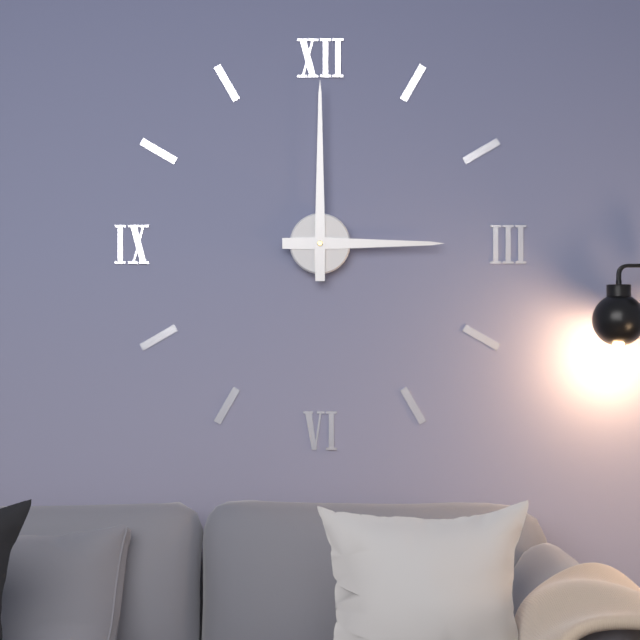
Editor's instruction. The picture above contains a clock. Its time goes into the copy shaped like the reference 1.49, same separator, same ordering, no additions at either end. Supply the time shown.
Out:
3.00
